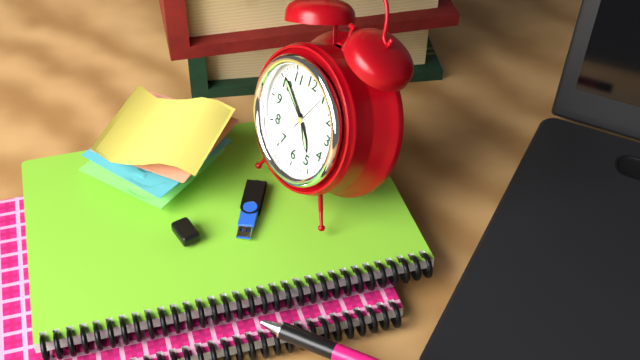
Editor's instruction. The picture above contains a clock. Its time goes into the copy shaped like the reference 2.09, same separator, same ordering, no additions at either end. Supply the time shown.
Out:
4.51
